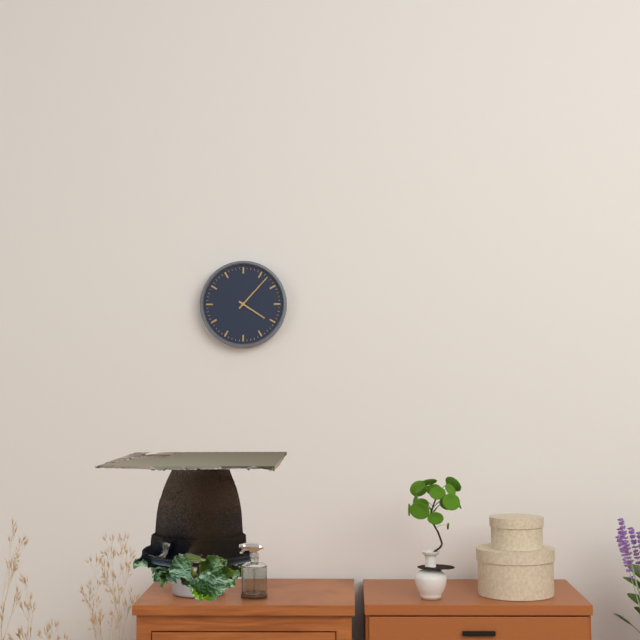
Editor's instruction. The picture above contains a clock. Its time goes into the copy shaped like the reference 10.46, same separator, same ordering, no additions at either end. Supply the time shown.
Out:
4.07
